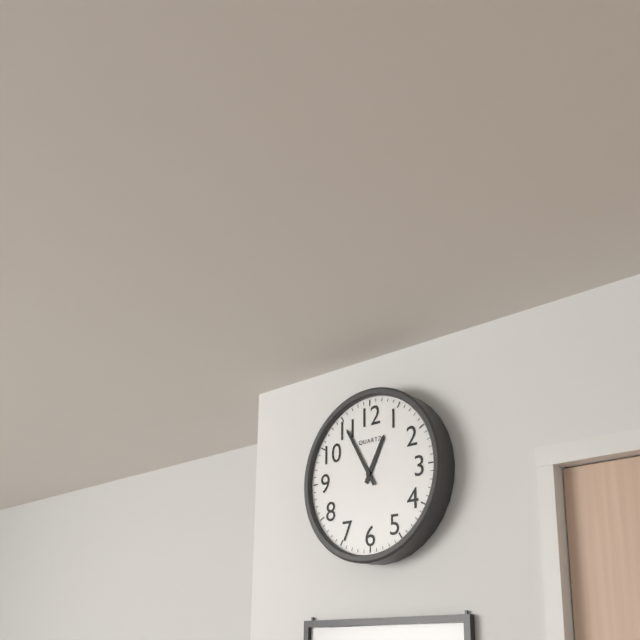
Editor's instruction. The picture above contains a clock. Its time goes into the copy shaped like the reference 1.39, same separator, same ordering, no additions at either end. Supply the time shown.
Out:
12.55
